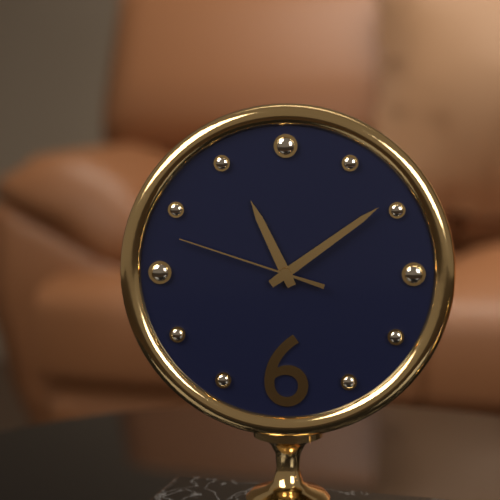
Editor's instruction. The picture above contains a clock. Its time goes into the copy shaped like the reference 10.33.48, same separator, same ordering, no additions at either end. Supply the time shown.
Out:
11.09.48
